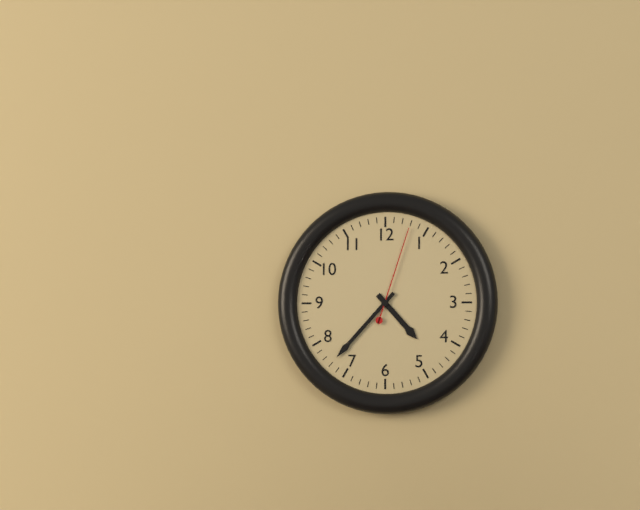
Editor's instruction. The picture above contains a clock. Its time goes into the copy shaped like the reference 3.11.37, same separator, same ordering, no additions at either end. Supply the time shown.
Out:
4.37.03
